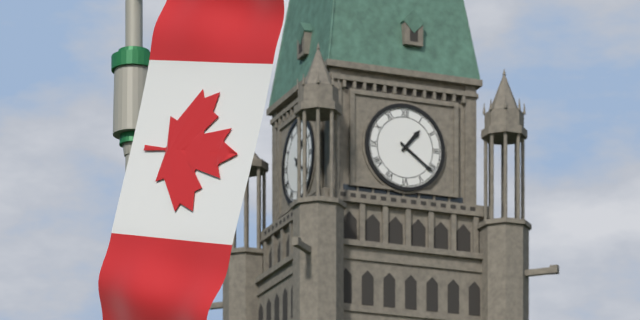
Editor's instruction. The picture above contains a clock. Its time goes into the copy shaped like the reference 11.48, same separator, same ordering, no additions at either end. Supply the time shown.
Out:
1.21
